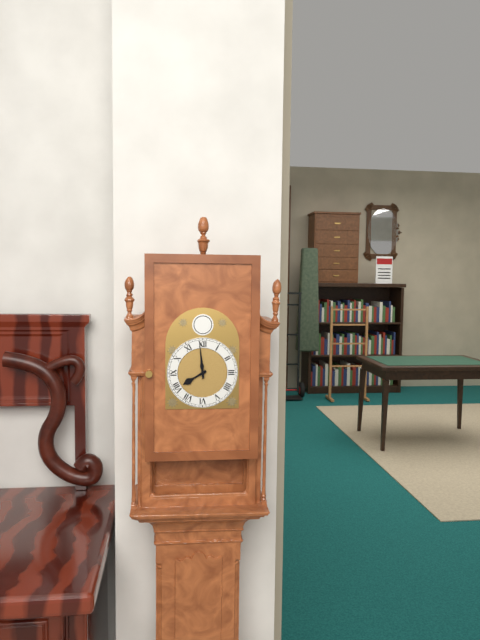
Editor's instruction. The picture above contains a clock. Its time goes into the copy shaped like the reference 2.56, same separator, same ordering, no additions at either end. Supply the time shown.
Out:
7.59
